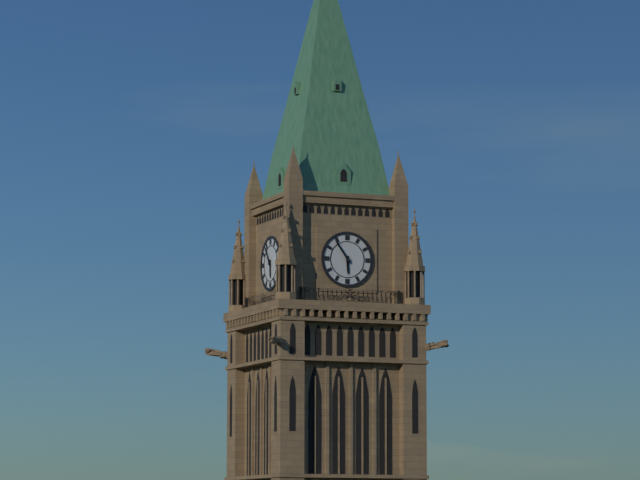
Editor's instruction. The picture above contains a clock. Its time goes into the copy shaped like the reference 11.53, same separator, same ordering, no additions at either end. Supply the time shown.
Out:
5.54
